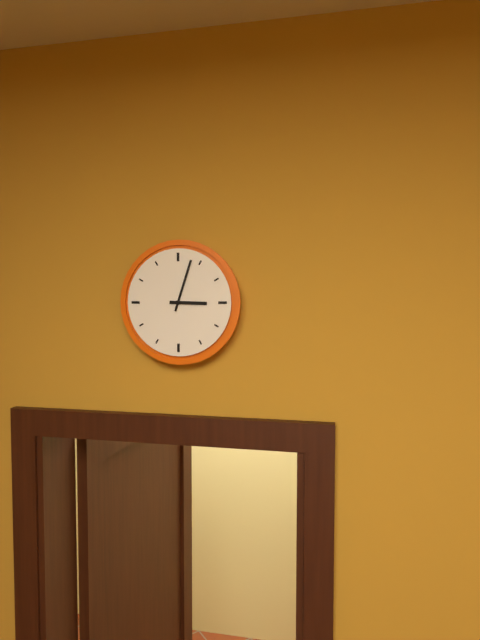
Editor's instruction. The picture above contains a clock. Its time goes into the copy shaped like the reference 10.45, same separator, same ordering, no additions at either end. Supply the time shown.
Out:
3.03
